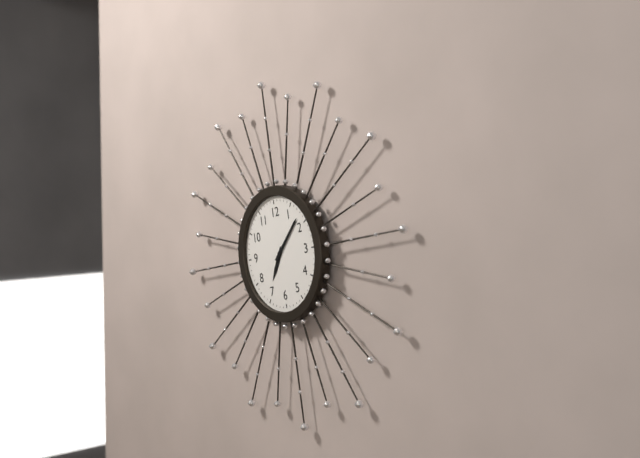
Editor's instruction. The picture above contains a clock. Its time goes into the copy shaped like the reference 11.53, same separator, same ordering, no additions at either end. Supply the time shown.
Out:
7.08
